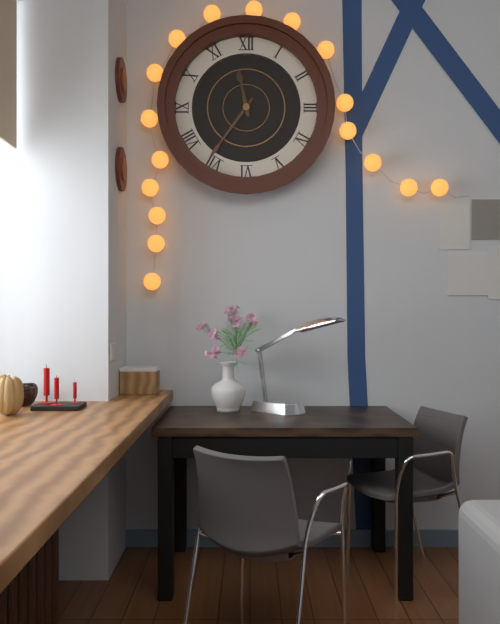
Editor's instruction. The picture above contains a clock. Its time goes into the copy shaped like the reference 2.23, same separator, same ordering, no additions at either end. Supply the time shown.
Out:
11.36
